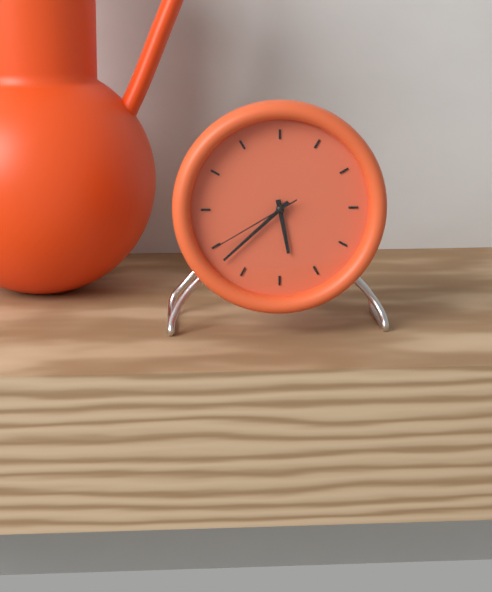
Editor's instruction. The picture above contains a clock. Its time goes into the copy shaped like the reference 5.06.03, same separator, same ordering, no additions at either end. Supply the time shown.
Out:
5.38.40
